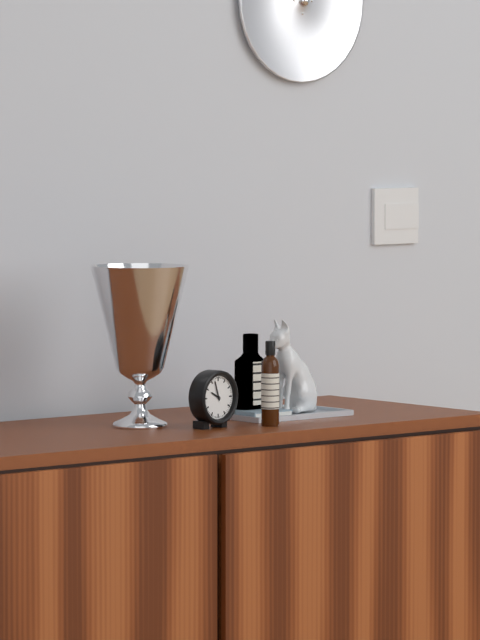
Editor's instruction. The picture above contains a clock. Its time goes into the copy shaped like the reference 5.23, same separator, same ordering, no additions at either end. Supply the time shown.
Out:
9.57
